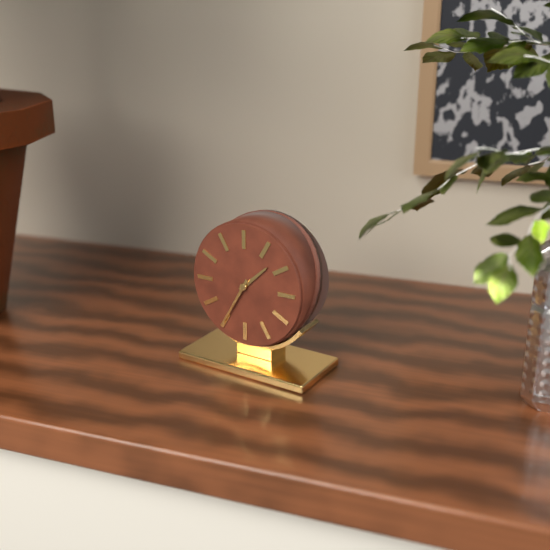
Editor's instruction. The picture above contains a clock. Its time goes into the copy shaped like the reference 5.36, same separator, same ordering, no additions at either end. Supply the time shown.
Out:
1.35
